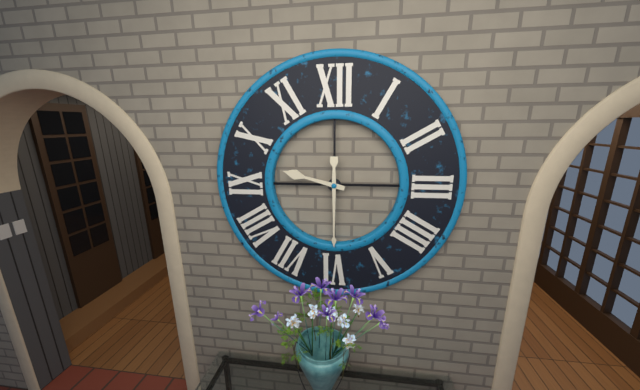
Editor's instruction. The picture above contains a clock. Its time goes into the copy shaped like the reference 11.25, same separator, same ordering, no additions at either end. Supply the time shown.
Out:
9.30
